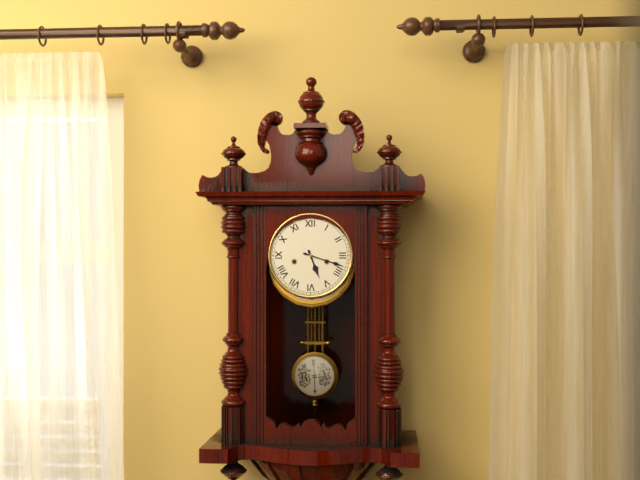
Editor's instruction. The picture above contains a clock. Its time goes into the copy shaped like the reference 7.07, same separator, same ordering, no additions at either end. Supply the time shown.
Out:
5.18
